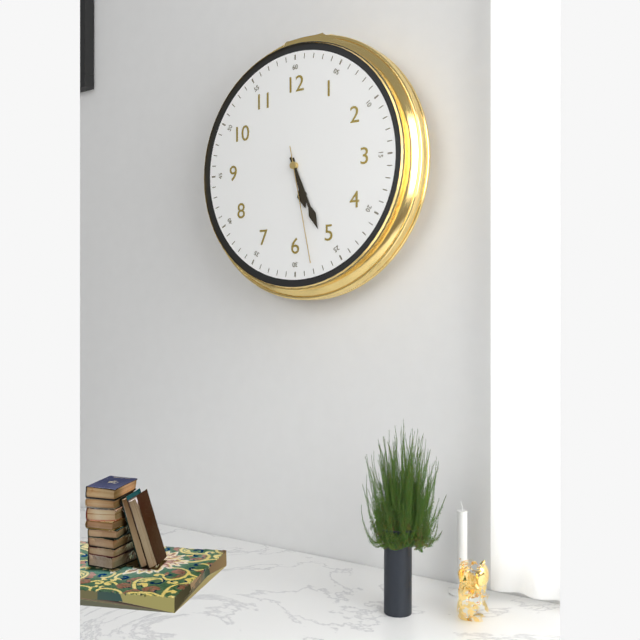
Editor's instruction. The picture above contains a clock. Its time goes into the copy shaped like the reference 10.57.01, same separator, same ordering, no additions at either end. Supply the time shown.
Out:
5.26.28
